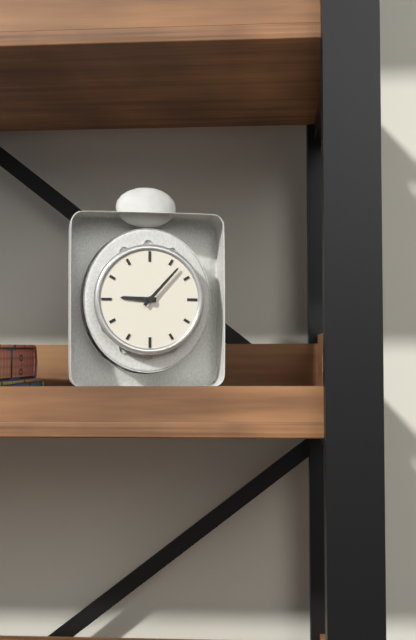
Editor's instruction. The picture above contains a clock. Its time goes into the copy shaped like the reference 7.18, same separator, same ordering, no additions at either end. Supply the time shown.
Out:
9.07
